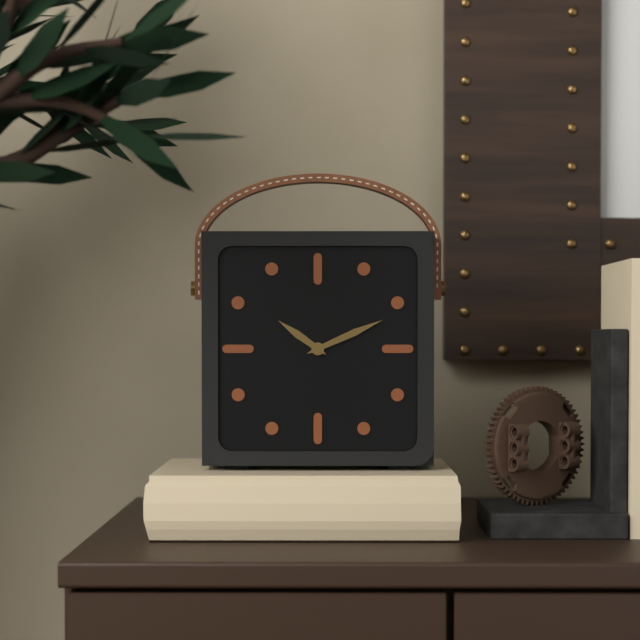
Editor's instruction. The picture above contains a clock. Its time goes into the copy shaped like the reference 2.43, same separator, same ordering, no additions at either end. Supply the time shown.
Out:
10.11
